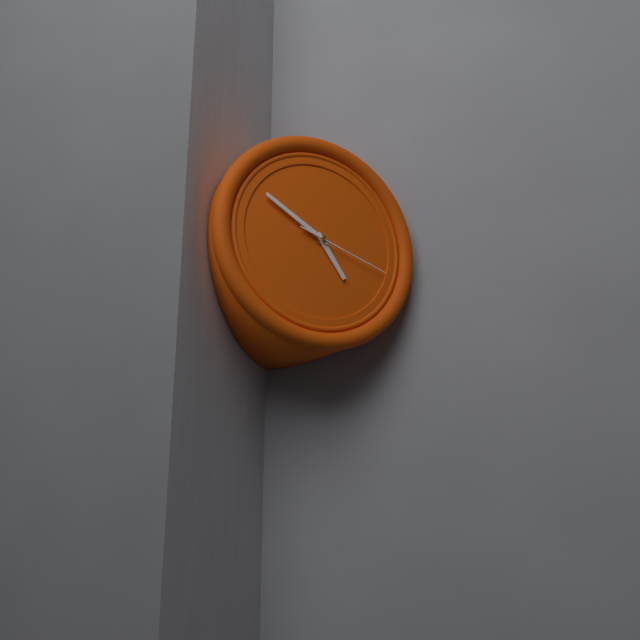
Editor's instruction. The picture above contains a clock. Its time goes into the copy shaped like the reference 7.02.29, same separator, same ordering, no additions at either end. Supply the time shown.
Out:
4.50.18
